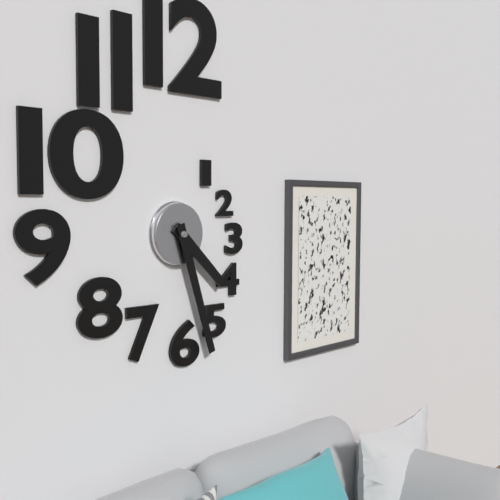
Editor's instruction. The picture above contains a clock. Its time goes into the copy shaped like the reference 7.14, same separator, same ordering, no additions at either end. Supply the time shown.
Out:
4.27
